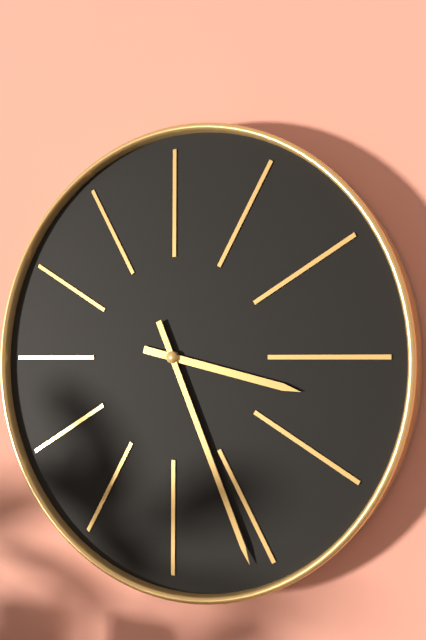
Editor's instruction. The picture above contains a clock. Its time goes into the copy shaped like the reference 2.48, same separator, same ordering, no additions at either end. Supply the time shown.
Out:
3.26
